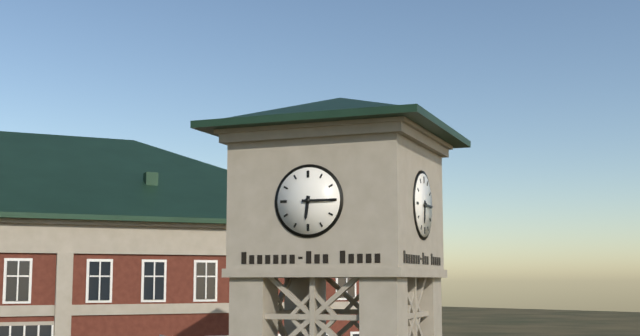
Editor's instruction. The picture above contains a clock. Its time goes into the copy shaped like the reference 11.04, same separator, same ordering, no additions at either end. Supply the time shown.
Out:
6.15
